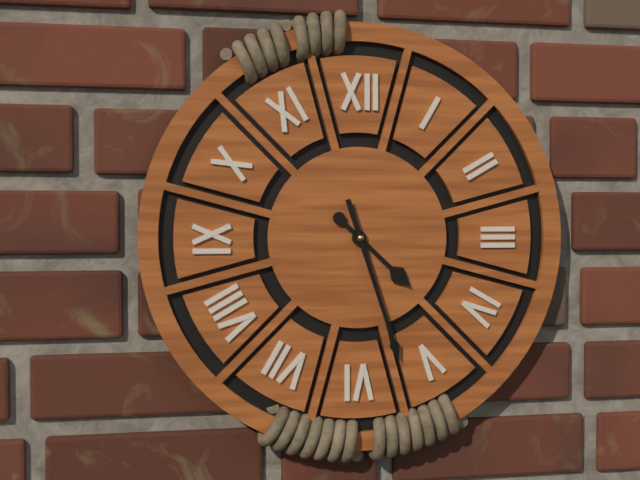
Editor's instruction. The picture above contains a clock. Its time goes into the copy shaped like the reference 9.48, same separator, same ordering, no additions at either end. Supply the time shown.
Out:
4.27
